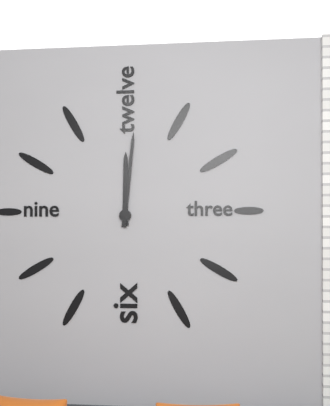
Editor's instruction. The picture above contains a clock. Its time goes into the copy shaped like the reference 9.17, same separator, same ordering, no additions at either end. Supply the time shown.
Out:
12.01
